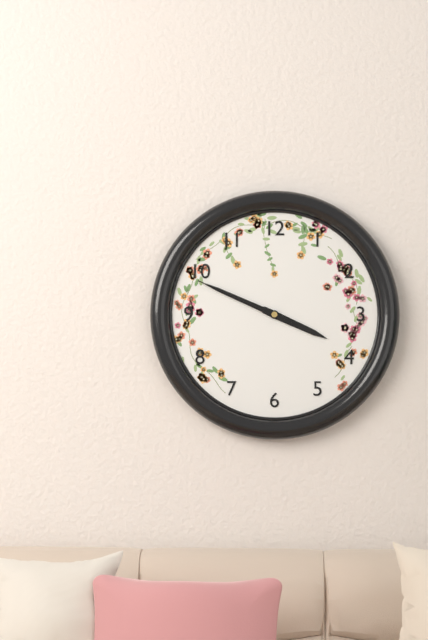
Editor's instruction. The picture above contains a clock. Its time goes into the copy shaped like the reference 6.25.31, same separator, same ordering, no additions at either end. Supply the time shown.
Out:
3.49.49
